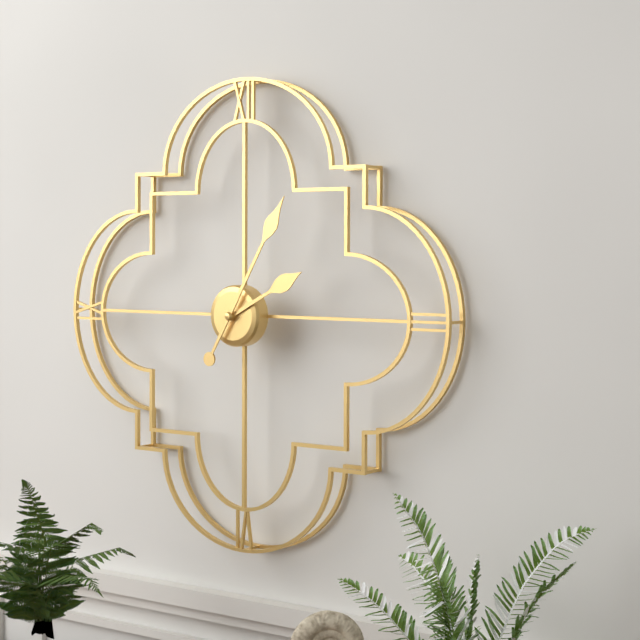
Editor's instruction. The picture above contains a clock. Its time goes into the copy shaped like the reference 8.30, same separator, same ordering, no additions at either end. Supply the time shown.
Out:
2.05
